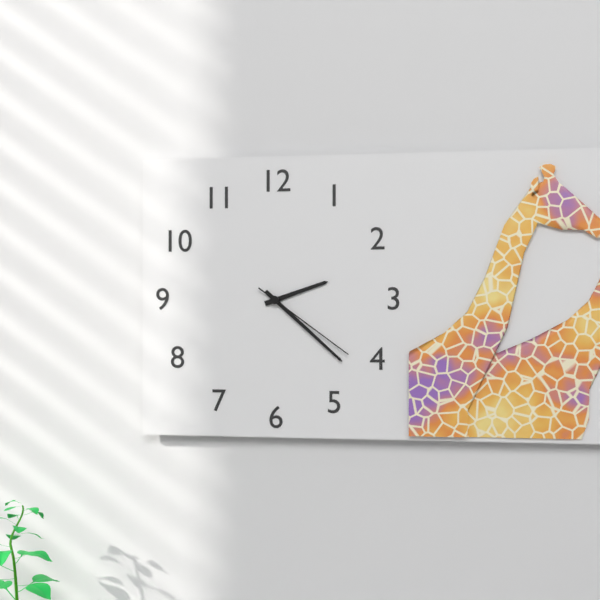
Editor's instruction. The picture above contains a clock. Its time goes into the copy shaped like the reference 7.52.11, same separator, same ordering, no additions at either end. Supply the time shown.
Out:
2.22.21
